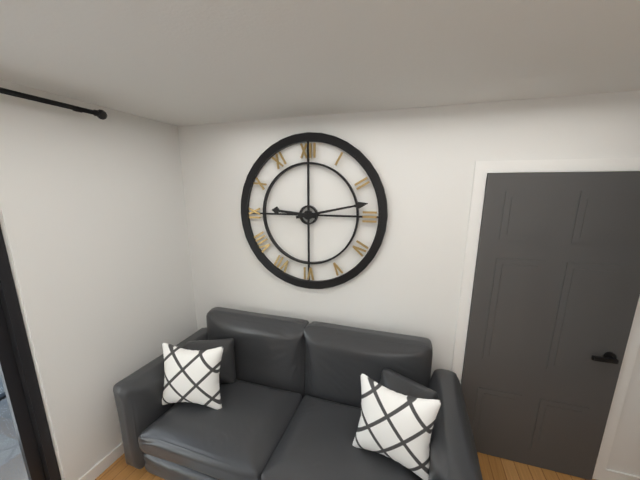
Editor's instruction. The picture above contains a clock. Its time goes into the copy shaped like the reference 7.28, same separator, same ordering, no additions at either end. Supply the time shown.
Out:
9.13
